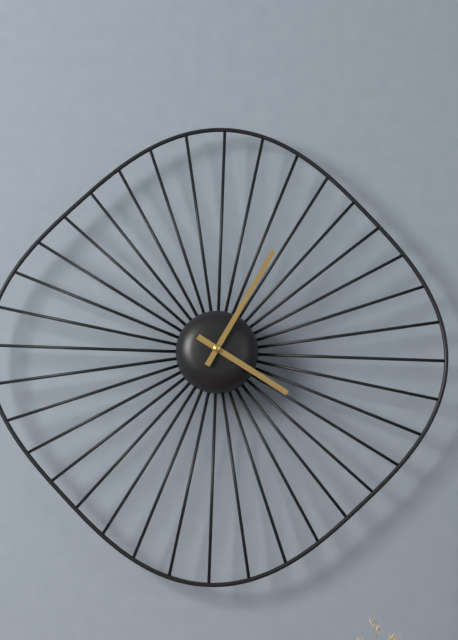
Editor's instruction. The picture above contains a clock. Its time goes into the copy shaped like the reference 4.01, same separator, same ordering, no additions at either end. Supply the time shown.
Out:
4.05
